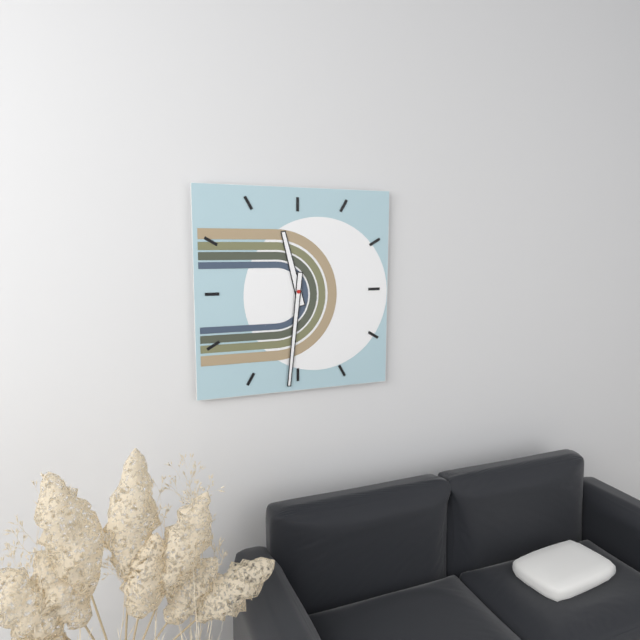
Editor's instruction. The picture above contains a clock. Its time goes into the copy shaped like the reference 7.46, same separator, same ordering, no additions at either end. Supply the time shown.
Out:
11.31
